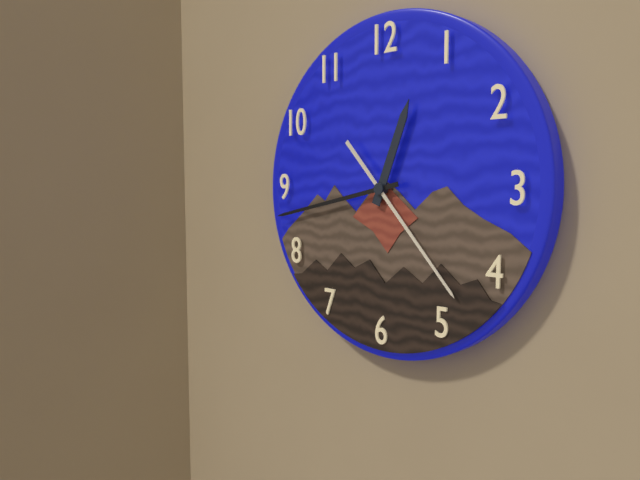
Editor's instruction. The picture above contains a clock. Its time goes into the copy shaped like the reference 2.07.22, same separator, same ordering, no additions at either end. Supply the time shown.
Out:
12.43.23
